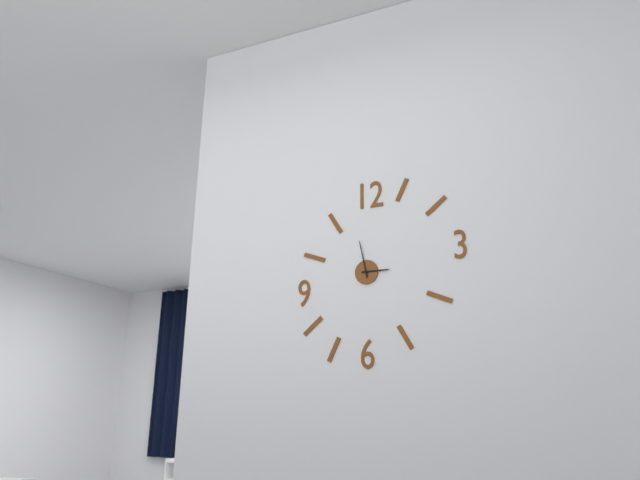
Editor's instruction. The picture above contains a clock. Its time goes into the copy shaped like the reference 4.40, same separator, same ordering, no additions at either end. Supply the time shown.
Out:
2.58
